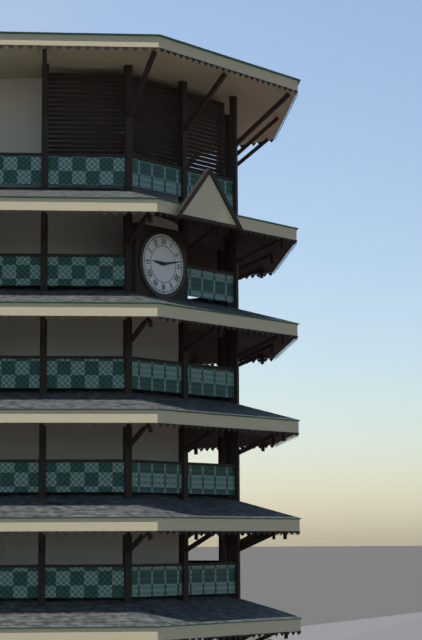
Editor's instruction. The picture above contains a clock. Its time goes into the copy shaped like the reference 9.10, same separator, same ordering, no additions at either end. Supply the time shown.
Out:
9.13
